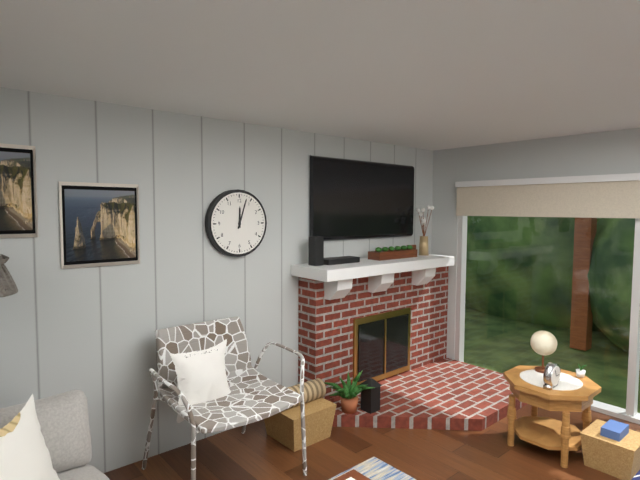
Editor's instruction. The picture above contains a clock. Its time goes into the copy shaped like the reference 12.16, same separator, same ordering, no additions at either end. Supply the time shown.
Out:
12.03
